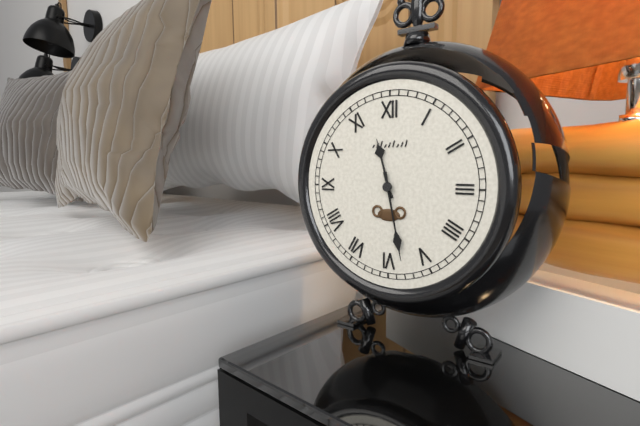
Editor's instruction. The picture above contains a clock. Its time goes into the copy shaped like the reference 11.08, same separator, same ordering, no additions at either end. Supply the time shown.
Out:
11.28
